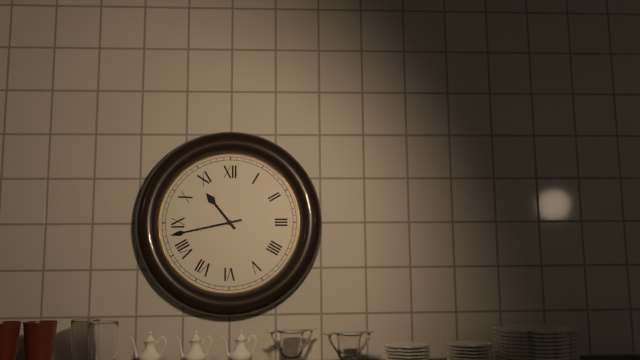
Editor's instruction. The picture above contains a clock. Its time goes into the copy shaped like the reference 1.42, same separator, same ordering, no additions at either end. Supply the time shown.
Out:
10.43
